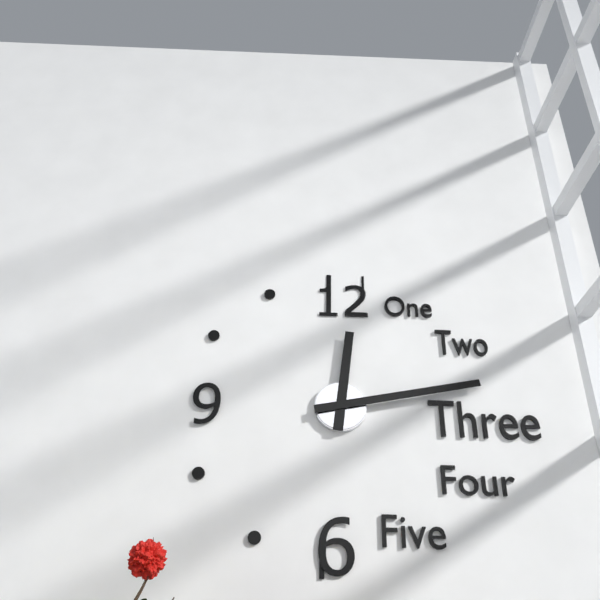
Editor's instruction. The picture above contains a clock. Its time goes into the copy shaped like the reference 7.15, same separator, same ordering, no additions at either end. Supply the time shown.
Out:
12.13
